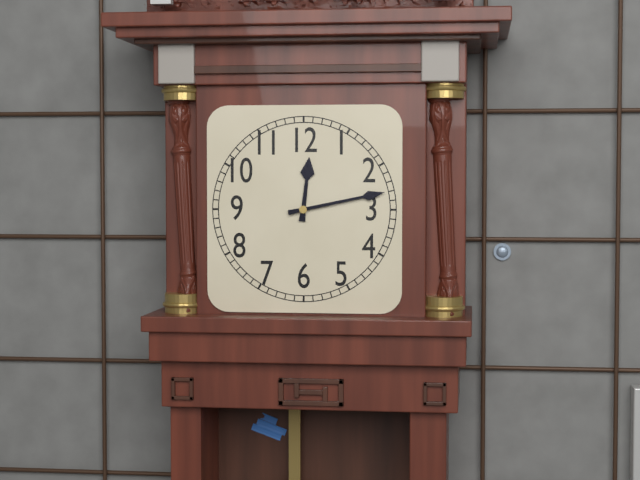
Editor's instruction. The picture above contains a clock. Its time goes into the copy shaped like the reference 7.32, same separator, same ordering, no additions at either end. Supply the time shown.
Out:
12.13
